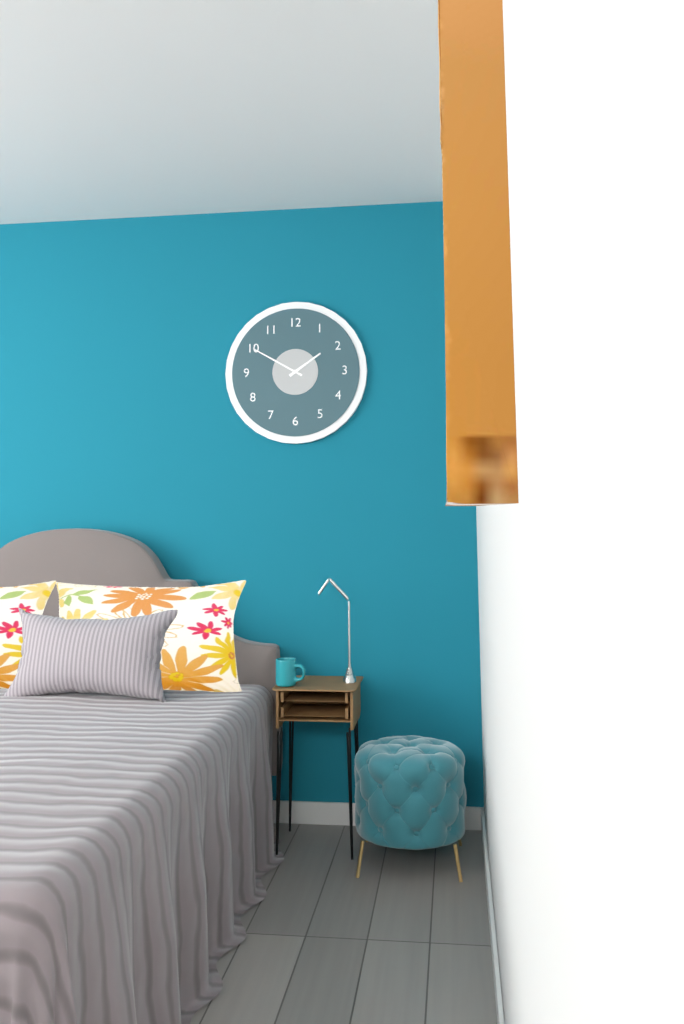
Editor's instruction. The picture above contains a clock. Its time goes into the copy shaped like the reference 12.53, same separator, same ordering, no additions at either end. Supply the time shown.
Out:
1.50
